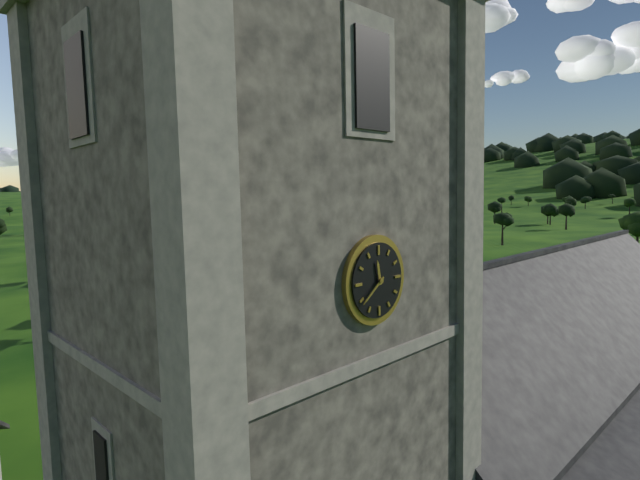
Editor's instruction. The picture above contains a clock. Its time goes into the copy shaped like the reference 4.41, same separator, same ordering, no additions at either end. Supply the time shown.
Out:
11.39
